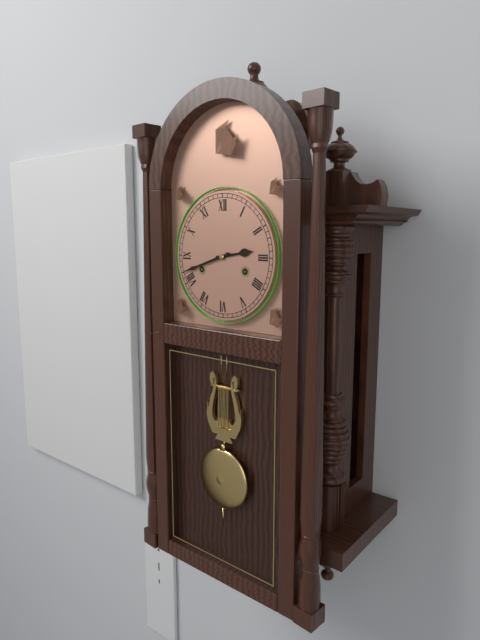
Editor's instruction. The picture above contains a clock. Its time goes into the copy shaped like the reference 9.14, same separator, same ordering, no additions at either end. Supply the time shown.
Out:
2.42
